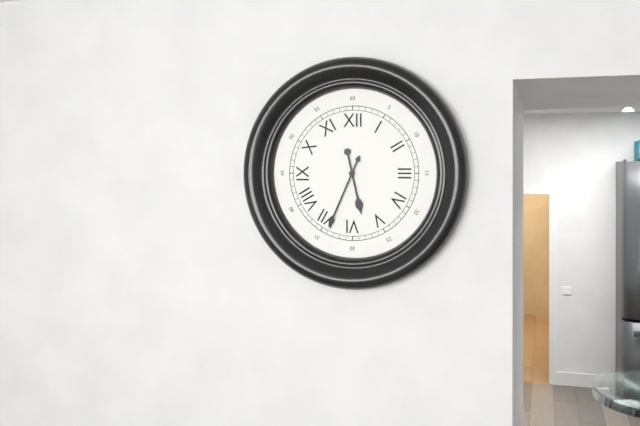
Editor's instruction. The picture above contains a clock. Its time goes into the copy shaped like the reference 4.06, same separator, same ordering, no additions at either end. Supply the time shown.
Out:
5.34
